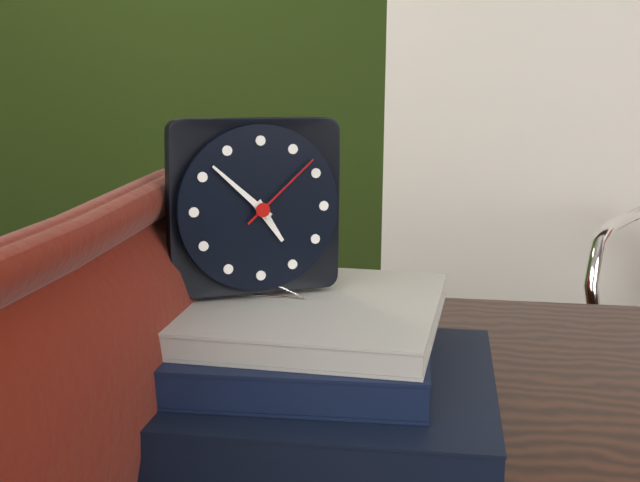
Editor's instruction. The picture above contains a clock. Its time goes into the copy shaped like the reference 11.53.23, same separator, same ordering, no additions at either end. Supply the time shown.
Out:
4.52.08
